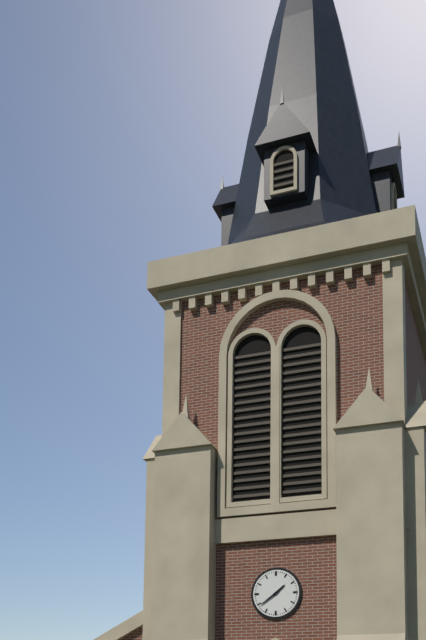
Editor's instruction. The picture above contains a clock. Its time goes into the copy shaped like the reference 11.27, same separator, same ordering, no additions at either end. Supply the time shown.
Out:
1.39
